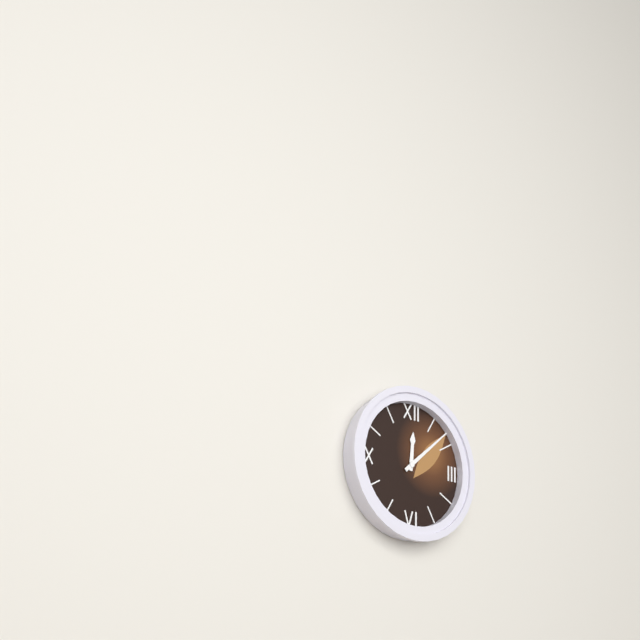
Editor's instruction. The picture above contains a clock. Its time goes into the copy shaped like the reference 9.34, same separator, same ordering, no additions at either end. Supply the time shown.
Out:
12.08
